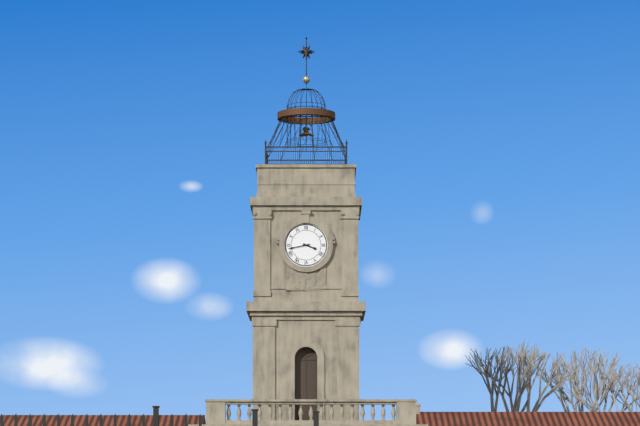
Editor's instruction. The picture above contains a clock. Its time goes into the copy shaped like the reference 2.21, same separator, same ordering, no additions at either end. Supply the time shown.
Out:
3.43
